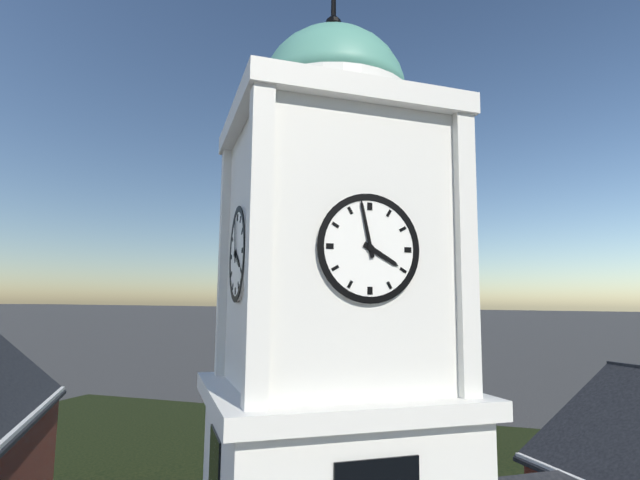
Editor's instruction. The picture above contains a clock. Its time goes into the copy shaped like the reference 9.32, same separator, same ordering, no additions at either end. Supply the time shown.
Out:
3.58
